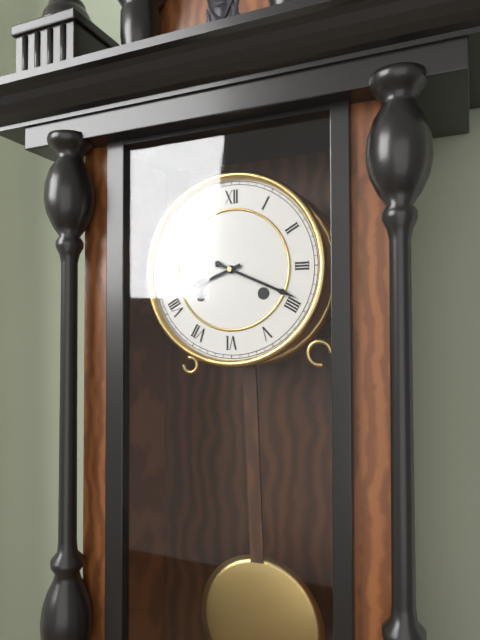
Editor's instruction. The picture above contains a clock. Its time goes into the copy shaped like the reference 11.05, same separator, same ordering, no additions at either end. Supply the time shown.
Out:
8.19
